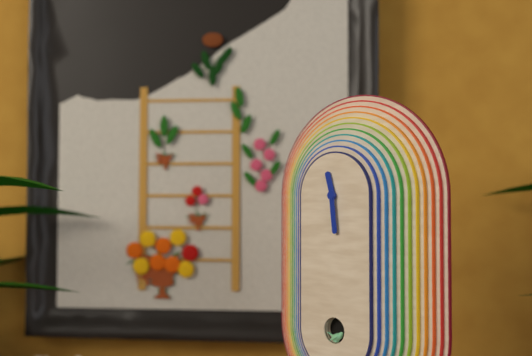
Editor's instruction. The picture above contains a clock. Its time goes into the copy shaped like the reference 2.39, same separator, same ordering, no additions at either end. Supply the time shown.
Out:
11.29
